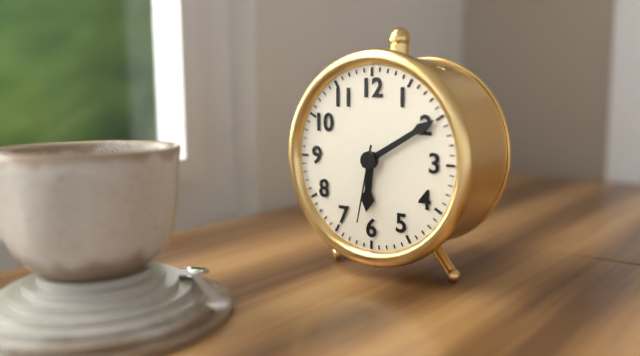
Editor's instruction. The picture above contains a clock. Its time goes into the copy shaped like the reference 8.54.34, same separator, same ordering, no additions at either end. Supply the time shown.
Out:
6.10.32
